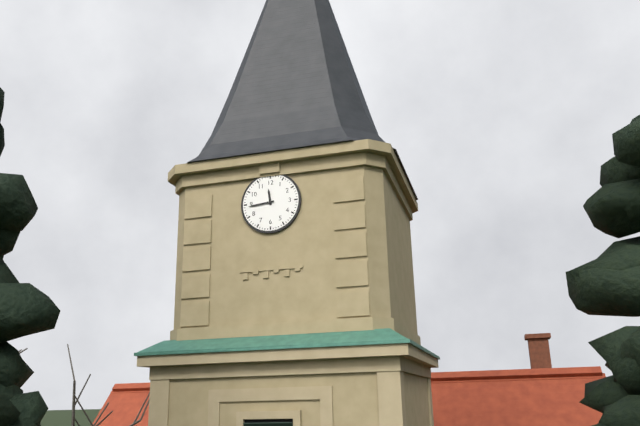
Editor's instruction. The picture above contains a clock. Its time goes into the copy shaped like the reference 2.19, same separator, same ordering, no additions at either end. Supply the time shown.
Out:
11.44
